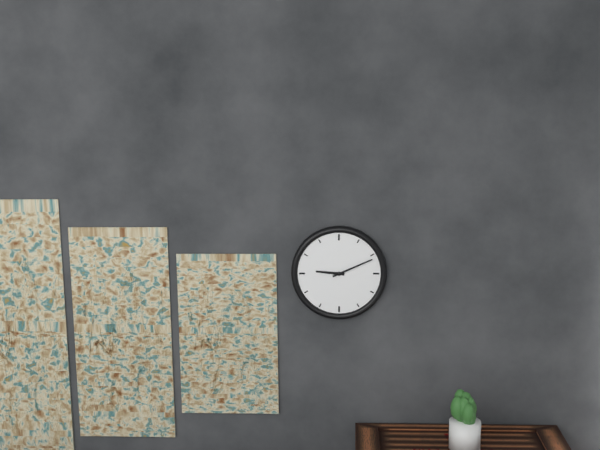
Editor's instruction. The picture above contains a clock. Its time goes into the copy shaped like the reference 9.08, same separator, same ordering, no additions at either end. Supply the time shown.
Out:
9.11
